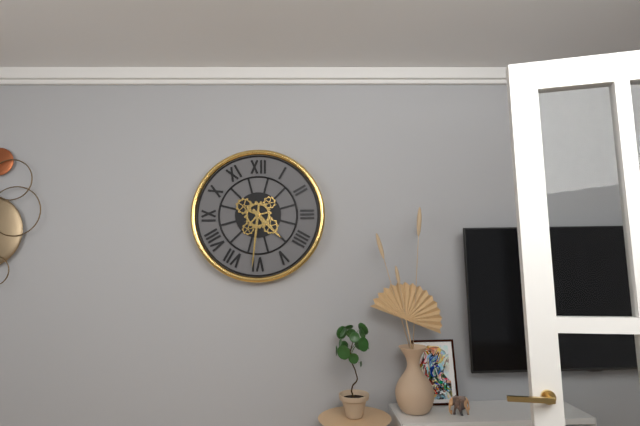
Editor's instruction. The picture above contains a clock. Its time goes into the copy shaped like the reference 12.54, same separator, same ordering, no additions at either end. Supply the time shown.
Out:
4.31
